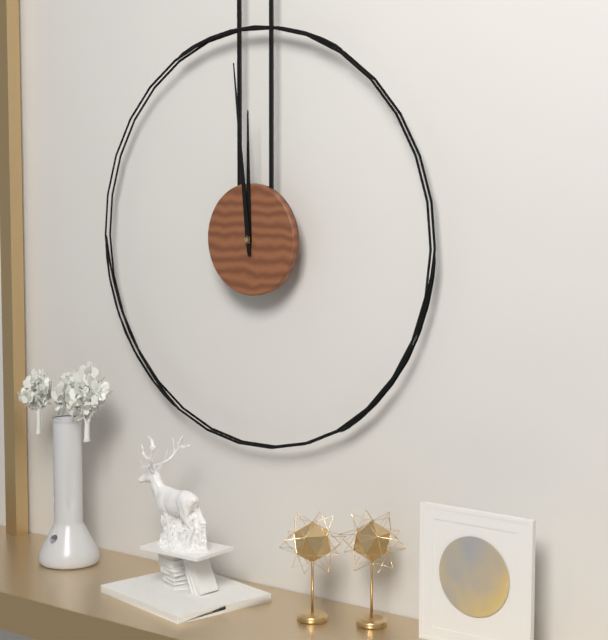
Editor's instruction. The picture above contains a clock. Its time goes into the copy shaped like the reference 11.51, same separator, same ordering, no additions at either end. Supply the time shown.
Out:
11.59
